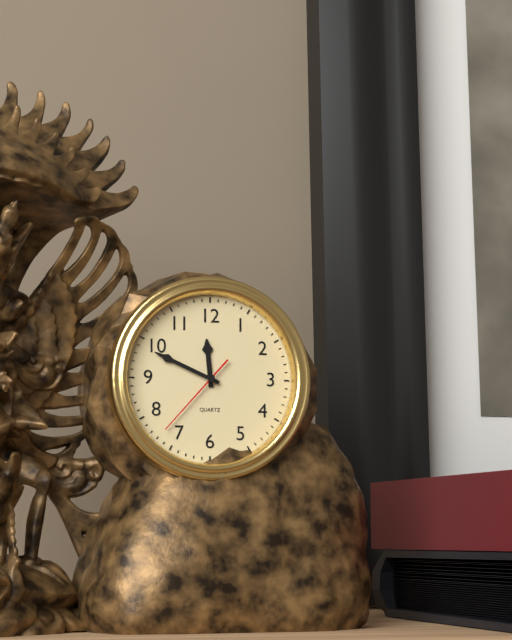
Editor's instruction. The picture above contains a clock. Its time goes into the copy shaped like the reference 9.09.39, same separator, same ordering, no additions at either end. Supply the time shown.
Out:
11.49.37
